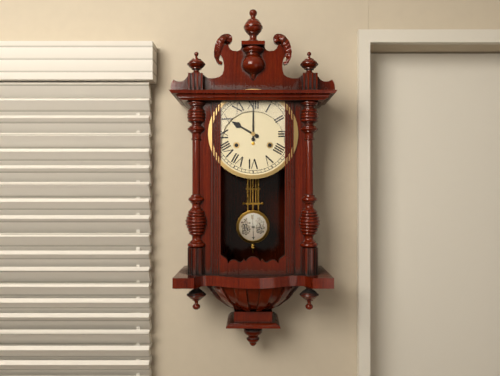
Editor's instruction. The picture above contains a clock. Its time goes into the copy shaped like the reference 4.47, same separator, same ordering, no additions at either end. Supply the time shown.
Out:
10.00
